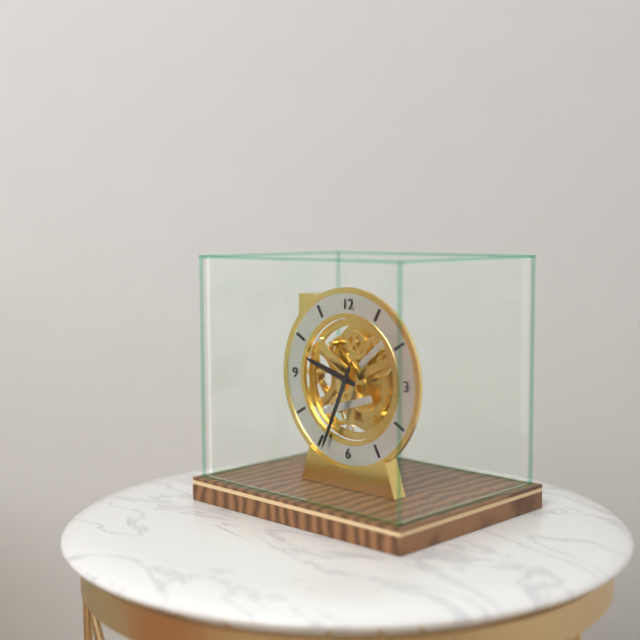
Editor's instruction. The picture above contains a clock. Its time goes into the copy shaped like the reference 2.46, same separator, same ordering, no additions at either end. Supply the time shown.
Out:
9.34
